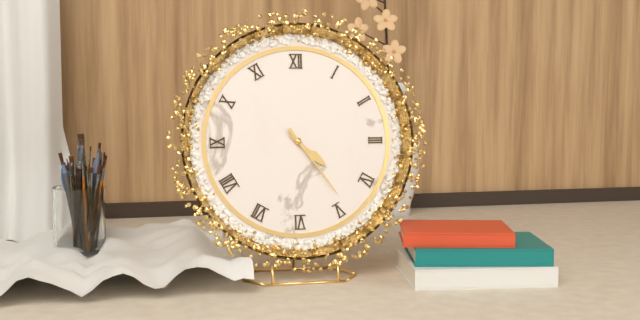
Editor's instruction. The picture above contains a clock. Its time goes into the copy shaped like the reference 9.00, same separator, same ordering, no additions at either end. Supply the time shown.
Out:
4.24
